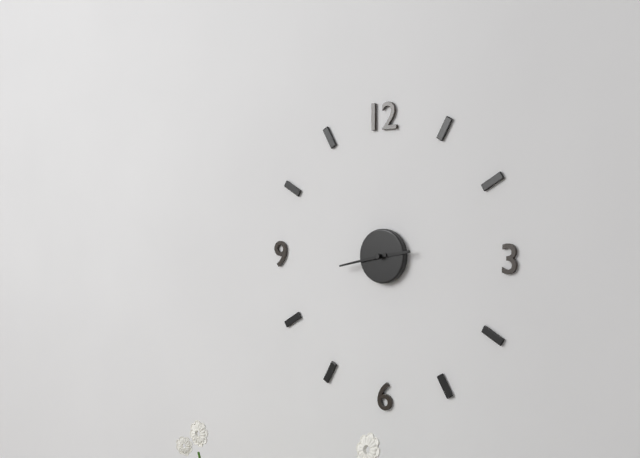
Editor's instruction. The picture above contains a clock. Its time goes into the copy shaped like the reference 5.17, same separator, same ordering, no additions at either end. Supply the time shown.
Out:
2.43
